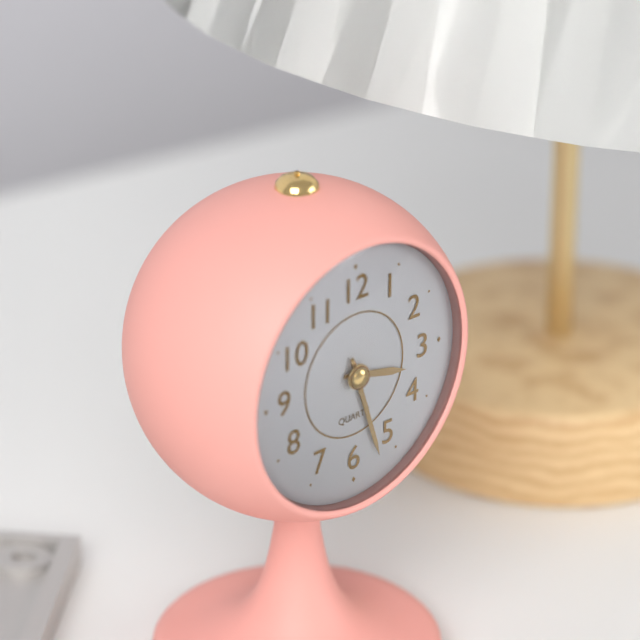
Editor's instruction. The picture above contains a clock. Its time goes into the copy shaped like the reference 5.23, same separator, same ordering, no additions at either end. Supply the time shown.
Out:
3.27
